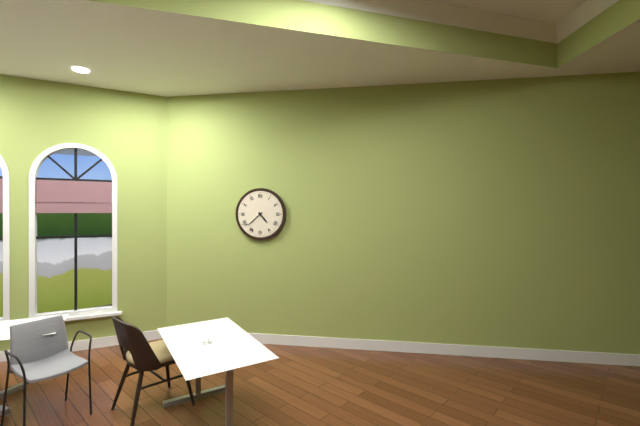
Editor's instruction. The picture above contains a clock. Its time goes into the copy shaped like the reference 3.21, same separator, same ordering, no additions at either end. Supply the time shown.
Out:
4.38
